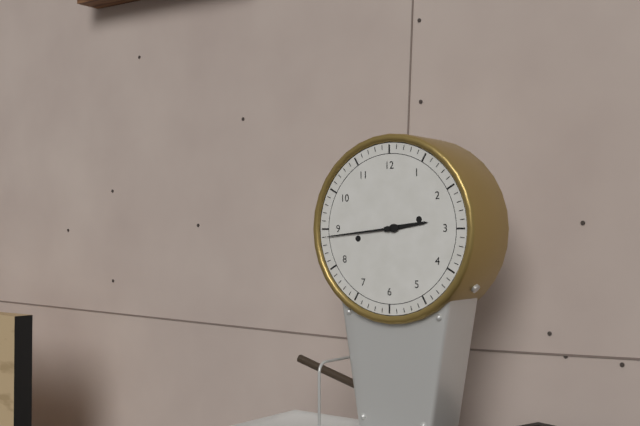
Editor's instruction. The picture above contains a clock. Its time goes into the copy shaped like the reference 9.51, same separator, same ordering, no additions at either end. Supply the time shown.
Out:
2.44
